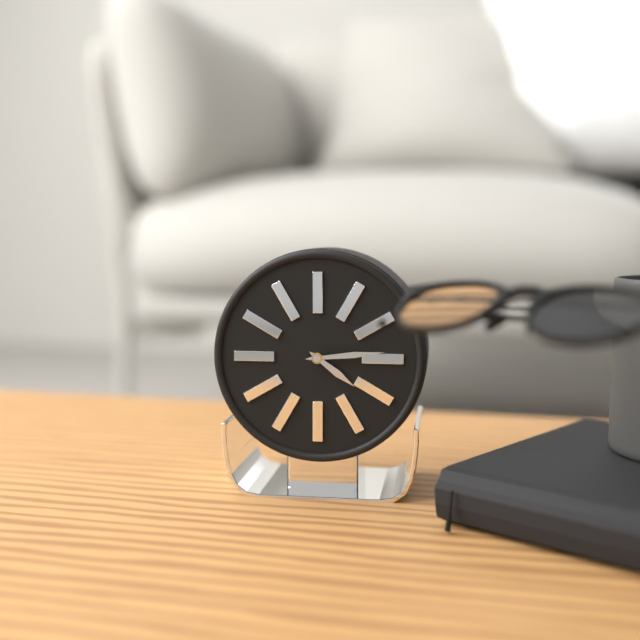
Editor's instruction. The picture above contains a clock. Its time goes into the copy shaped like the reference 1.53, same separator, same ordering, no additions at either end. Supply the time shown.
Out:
4.14
